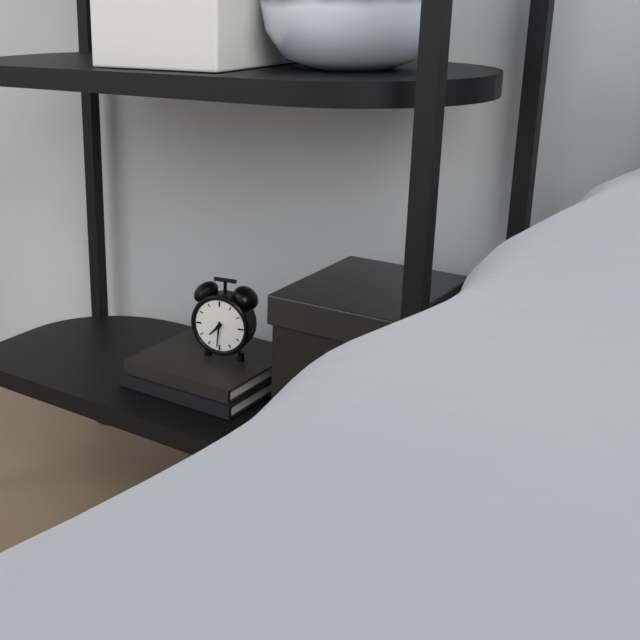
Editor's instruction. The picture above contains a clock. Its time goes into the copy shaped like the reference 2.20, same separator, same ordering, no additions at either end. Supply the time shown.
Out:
7.31
